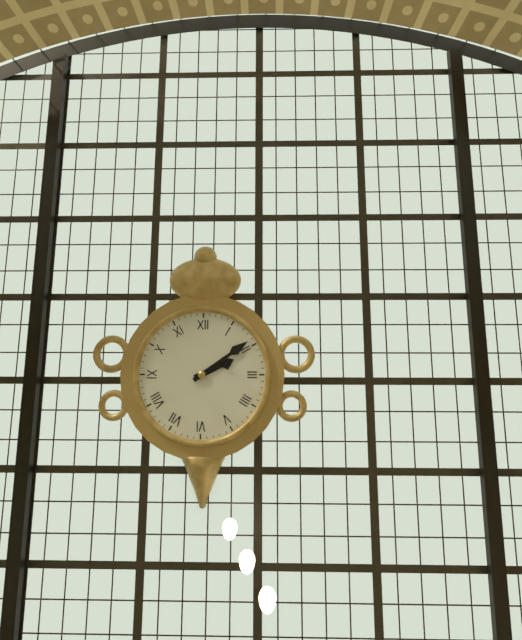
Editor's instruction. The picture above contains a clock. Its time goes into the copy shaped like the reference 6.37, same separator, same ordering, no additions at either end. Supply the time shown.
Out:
2.09
